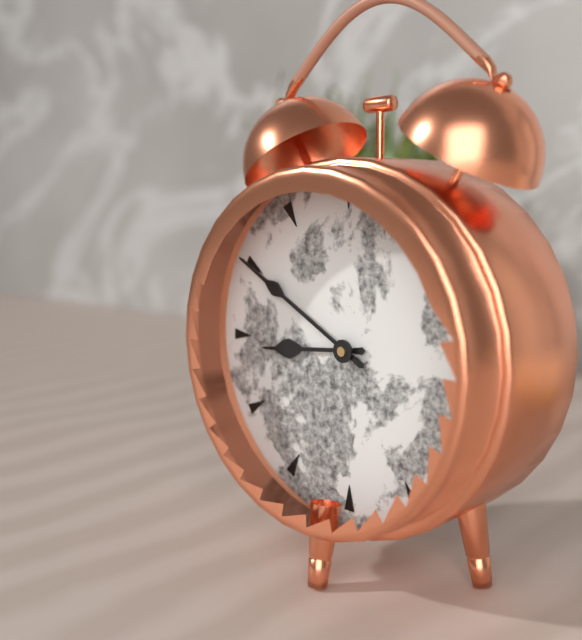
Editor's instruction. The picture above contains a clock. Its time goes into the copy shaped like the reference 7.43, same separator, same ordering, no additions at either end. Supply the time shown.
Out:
8.50
